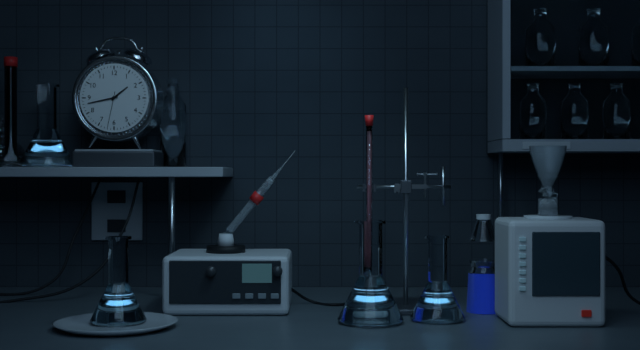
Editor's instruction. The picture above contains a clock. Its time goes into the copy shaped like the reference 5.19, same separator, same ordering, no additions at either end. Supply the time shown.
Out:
1.43
